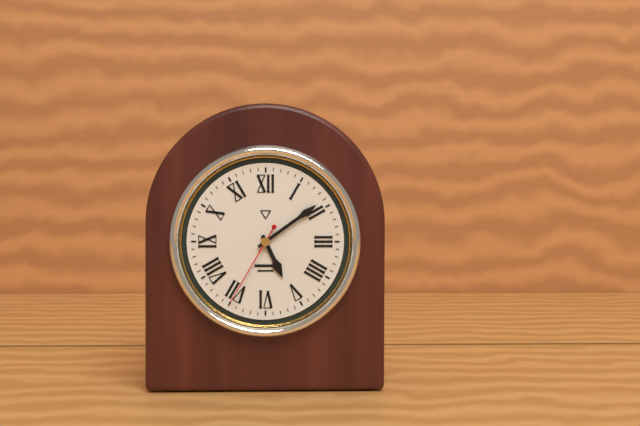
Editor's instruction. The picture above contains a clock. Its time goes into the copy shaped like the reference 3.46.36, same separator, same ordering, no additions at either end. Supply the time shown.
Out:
5.09.35
